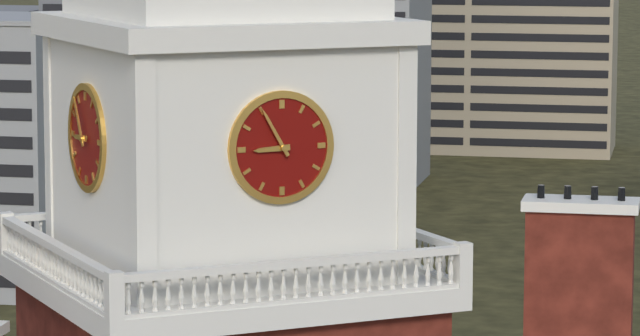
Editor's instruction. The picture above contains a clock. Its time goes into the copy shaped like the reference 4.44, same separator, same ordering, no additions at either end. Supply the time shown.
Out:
8.55
